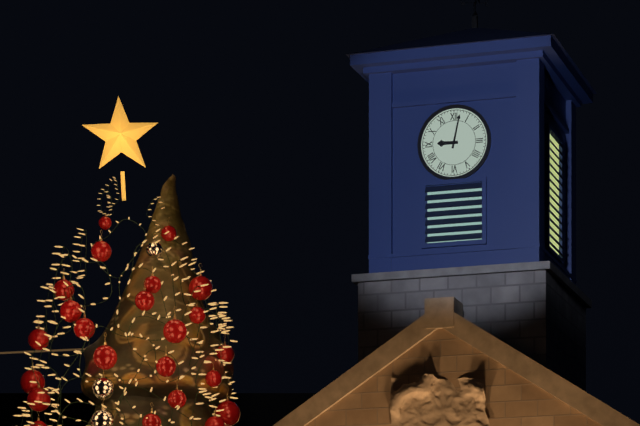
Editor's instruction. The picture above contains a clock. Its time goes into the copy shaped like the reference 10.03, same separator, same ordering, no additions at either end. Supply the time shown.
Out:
9.02
